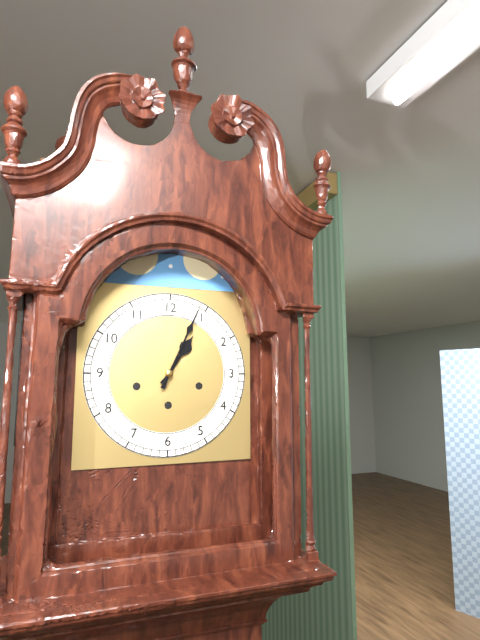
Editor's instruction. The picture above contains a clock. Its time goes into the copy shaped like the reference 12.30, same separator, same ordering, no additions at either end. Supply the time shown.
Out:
1.04
